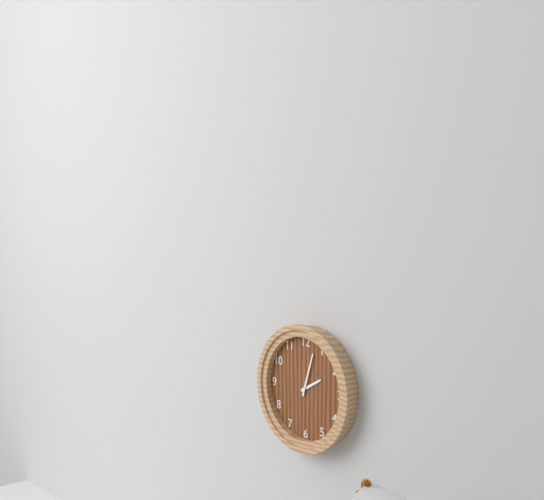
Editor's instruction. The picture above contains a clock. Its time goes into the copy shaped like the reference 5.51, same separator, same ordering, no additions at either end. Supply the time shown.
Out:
2.03
